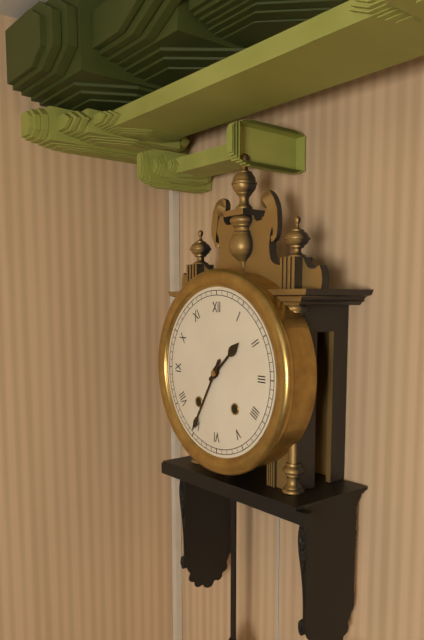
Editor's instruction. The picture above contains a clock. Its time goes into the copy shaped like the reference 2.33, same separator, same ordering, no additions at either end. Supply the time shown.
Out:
1.35
